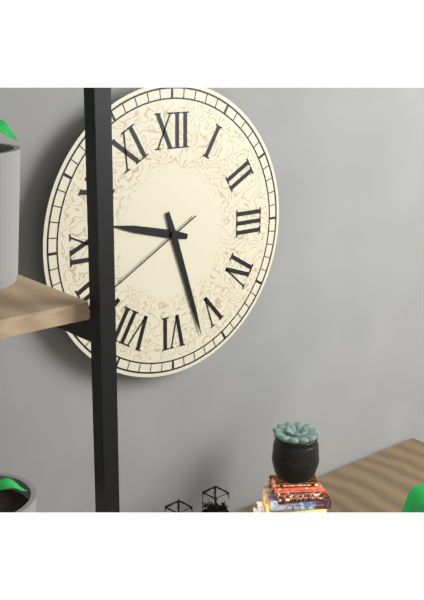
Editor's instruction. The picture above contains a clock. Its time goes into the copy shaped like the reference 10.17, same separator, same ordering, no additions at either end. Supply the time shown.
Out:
9.27
